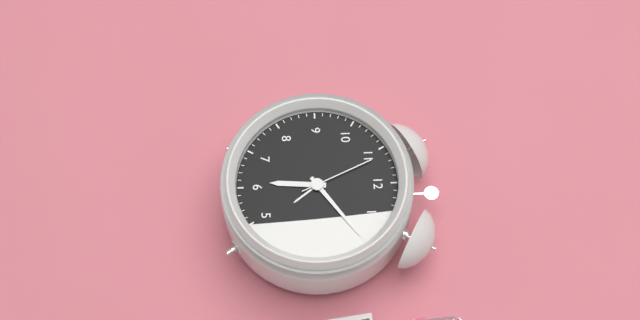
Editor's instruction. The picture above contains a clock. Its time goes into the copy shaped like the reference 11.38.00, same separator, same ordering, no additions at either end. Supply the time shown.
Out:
6.09.56
